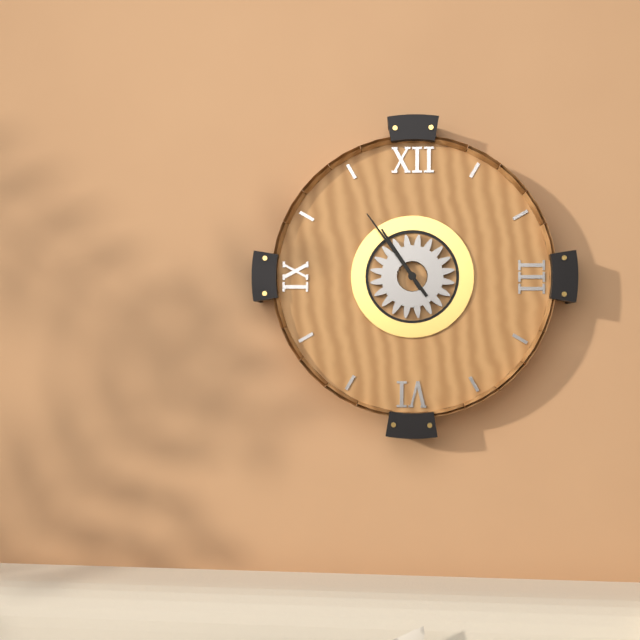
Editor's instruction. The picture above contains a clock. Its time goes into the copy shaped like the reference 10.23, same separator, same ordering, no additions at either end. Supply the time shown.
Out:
10.54
